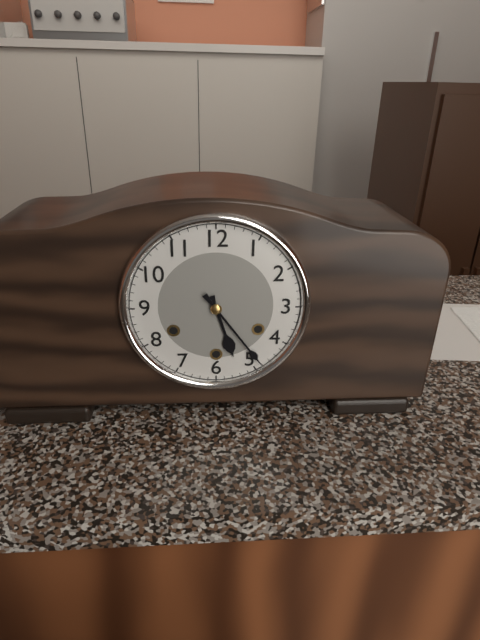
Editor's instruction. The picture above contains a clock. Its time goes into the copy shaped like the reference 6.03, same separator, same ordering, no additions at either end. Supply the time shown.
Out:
5.24
